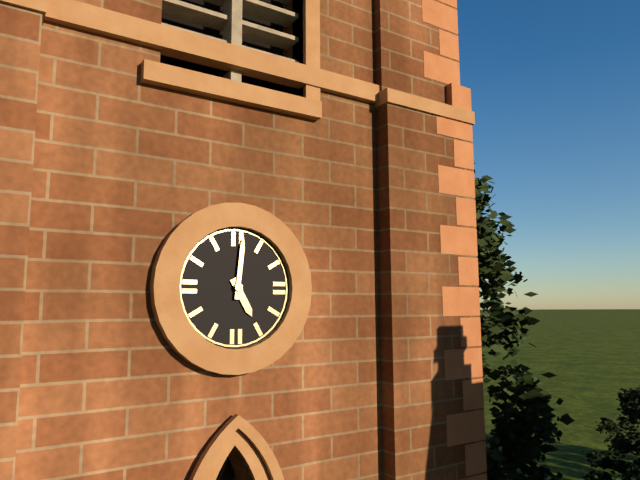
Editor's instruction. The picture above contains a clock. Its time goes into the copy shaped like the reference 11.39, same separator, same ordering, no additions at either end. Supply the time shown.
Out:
5.01
